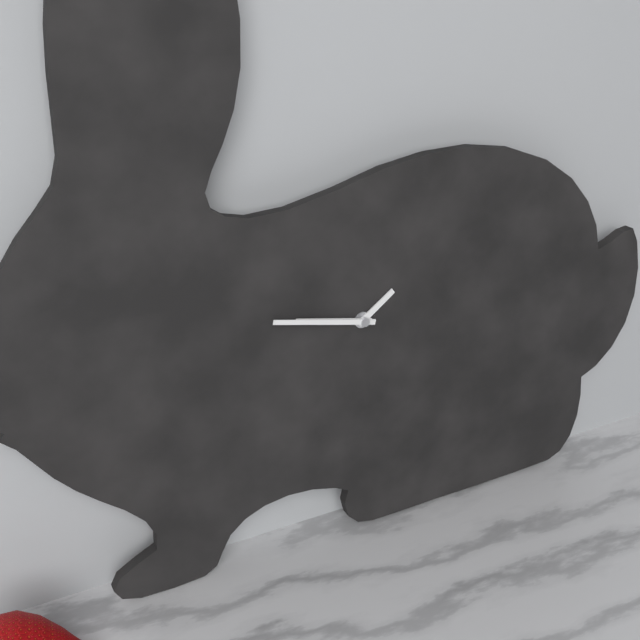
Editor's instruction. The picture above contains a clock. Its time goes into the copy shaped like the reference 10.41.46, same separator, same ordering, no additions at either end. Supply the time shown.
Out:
1.47.47
